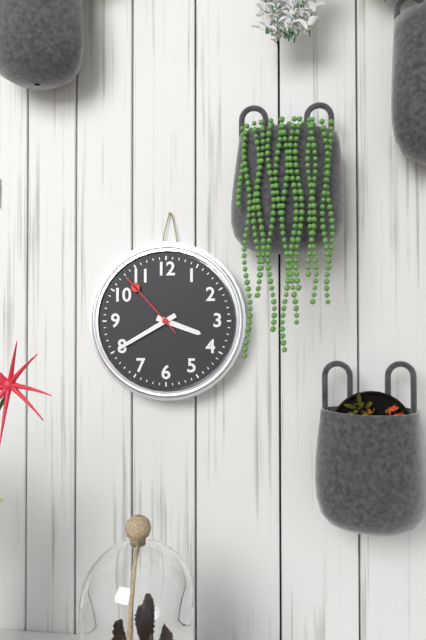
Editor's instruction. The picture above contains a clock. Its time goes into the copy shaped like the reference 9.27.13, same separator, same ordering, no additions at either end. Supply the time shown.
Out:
3.40.53
